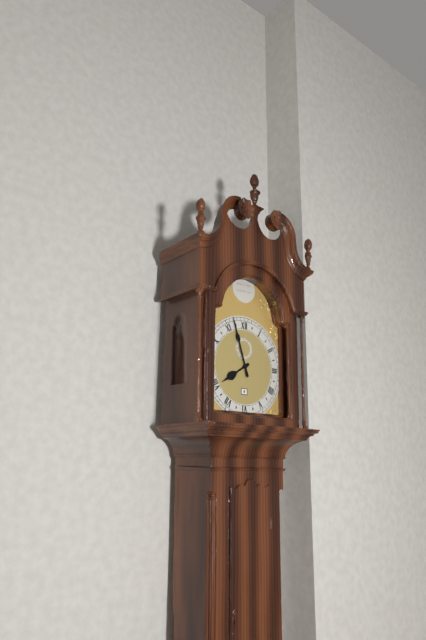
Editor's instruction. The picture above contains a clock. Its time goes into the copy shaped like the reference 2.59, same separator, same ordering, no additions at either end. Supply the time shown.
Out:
7.57
